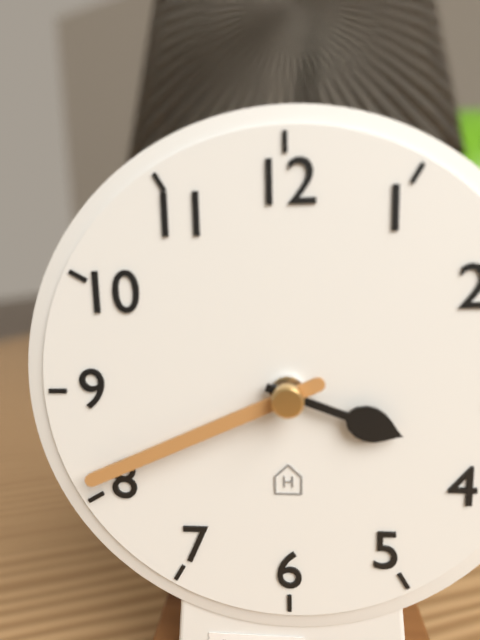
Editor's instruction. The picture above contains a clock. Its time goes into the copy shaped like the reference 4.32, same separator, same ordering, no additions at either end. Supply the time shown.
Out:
3.41
